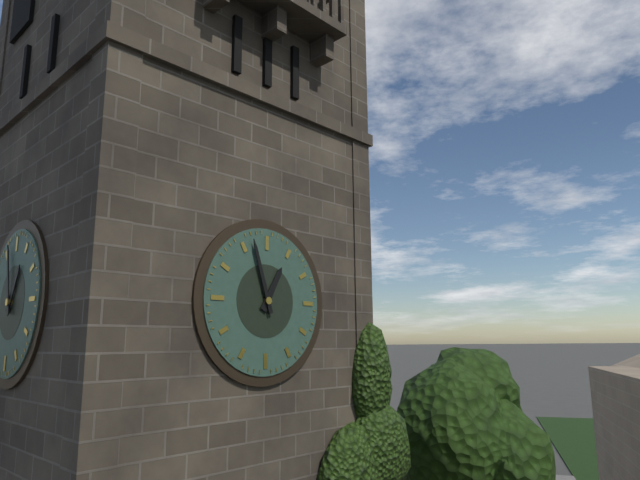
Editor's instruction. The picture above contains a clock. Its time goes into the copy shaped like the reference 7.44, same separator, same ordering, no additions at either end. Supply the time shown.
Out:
12.57
